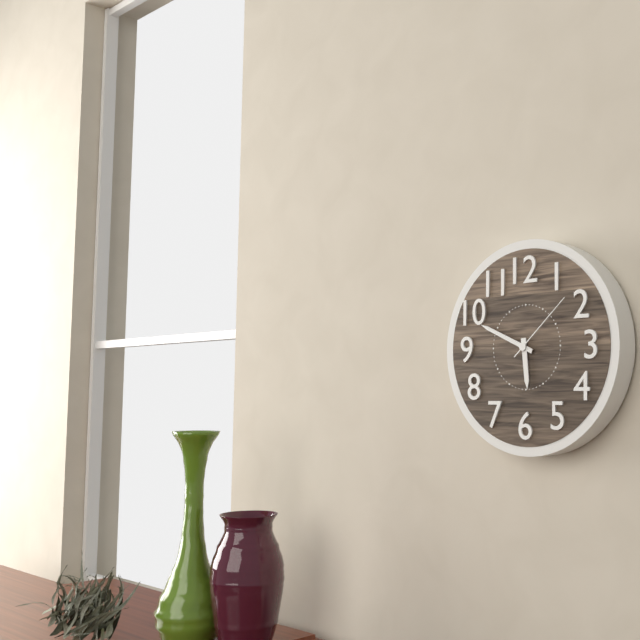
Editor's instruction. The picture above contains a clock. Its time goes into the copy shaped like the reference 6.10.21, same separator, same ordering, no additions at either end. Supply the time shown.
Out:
5.49.08
